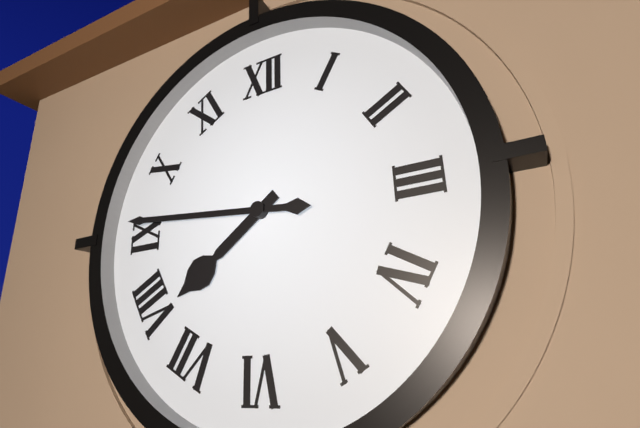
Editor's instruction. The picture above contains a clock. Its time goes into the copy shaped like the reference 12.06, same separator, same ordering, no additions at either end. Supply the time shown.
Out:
7.46
